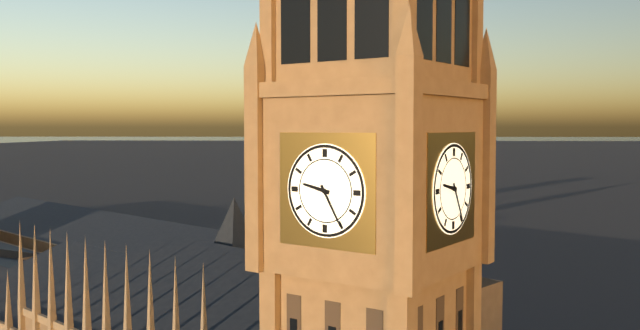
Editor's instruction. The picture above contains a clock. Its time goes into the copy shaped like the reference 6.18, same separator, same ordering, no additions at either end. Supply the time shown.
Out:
9.25
